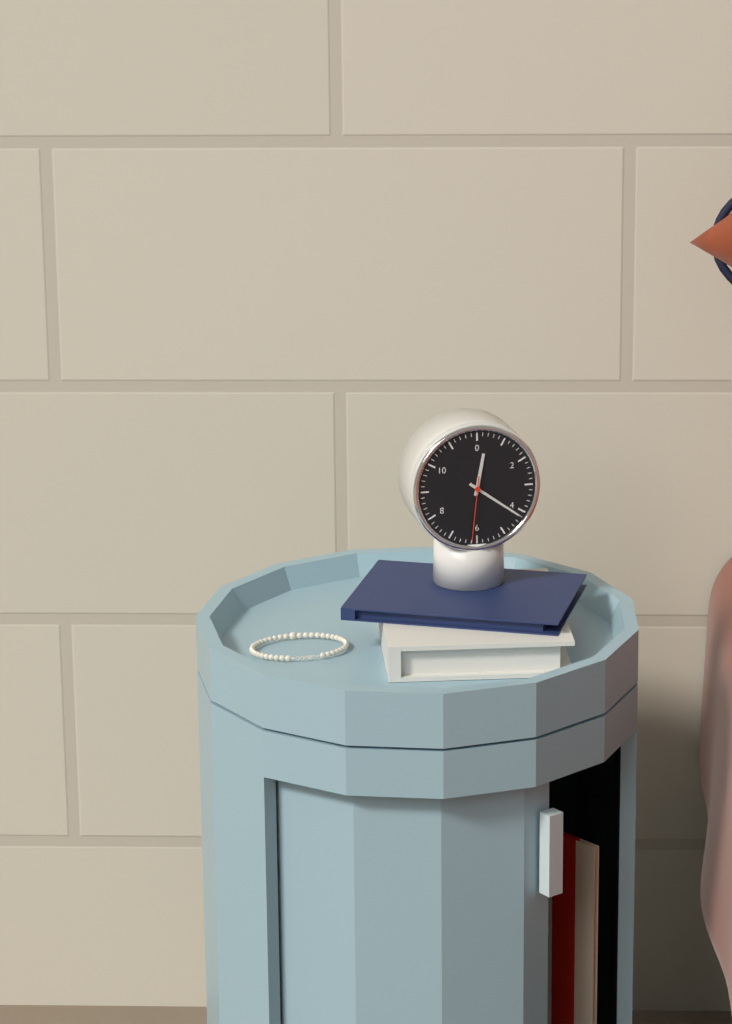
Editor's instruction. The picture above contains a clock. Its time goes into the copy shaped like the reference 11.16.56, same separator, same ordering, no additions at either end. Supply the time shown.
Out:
12.21.31
